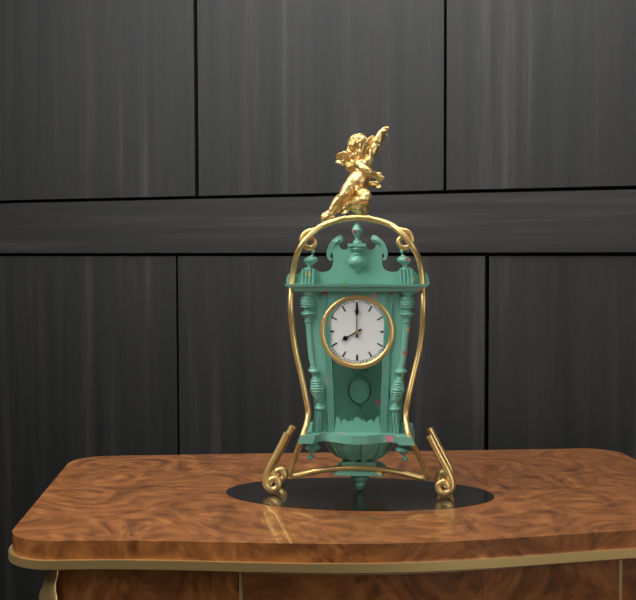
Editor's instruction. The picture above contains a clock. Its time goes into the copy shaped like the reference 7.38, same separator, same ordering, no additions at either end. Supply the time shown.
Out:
8.00
